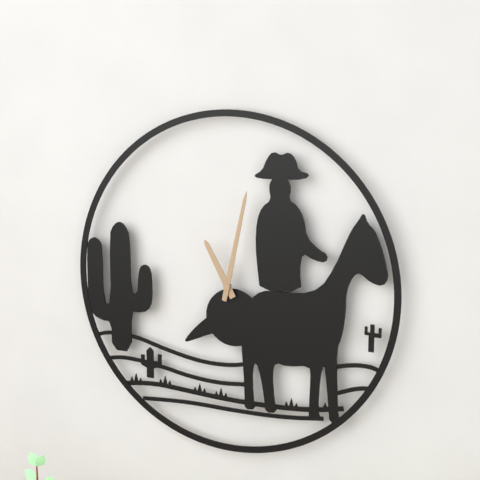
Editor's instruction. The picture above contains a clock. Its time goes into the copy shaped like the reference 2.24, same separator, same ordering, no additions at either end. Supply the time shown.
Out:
11.02
